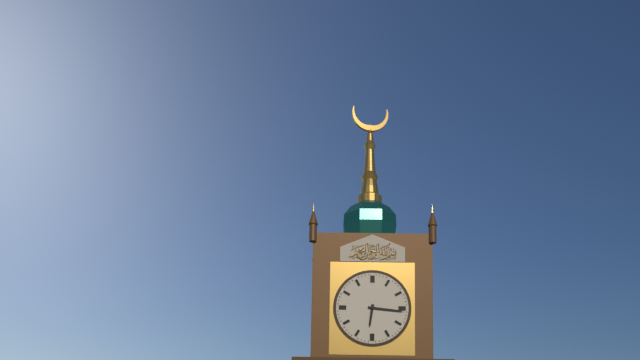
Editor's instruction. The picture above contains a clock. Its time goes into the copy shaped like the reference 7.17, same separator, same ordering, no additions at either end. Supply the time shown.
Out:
6.16
